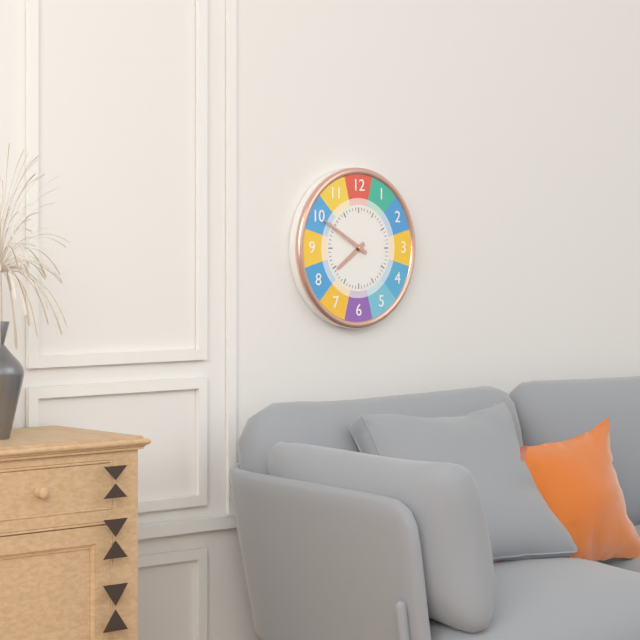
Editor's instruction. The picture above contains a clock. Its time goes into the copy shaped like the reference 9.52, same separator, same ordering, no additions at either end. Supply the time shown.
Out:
7.50
